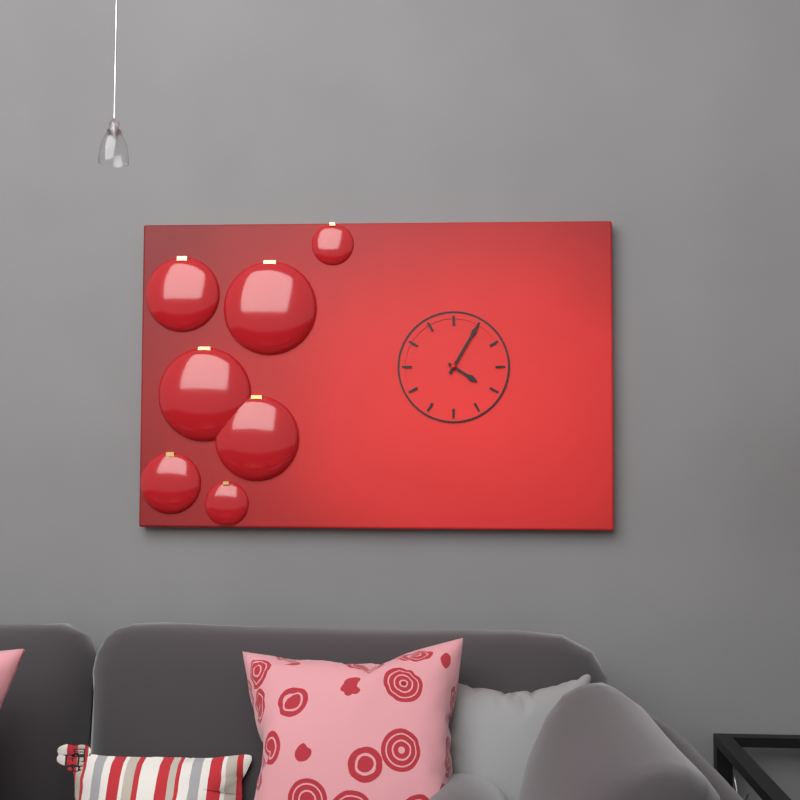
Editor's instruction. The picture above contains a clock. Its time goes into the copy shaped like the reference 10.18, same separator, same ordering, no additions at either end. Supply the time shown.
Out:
4.05
